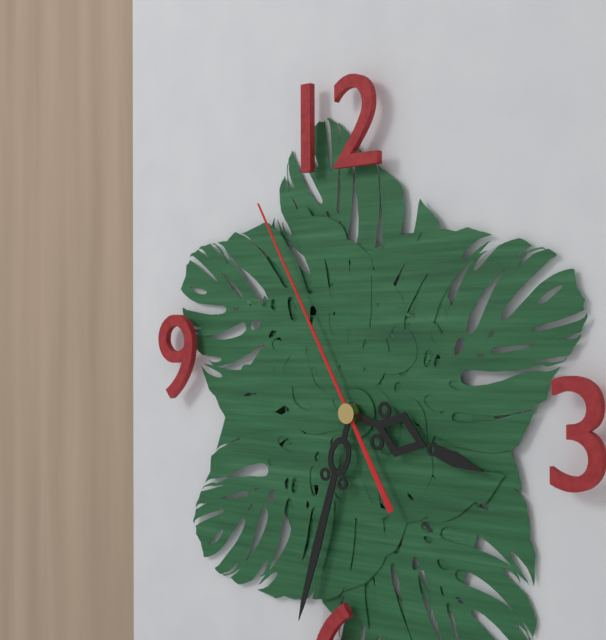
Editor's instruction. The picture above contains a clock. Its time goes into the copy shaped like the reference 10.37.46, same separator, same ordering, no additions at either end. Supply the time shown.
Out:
3.33.55
